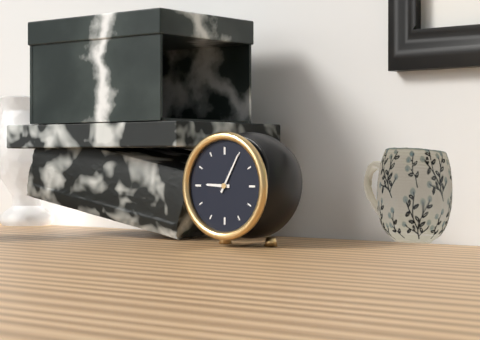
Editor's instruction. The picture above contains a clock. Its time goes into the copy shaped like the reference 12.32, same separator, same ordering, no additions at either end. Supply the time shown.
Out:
9.05
